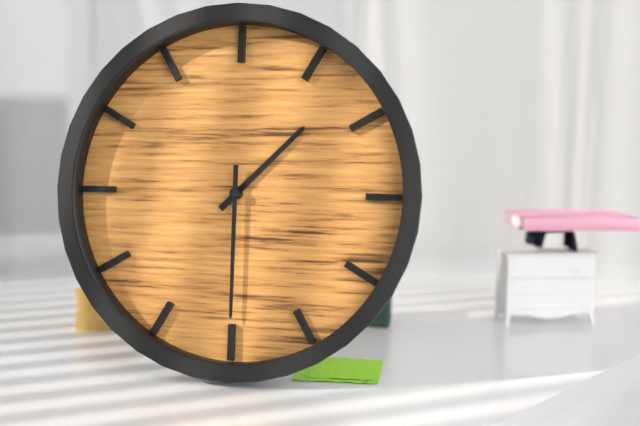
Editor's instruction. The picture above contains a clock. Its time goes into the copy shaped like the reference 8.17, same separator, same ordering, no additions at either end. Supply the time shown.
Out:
1.30
